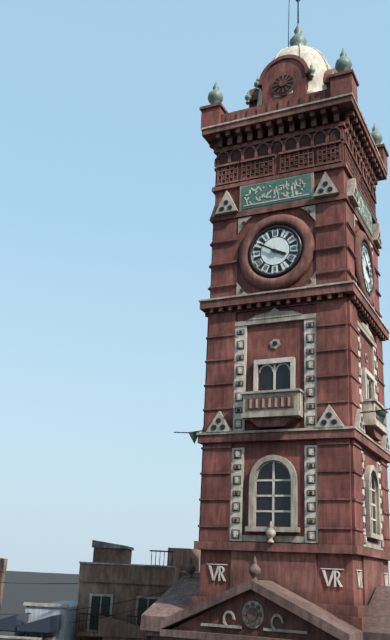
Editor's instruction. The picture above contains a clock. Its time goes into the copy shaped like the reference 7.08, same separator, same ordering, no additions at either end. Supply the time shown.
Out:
3.50
